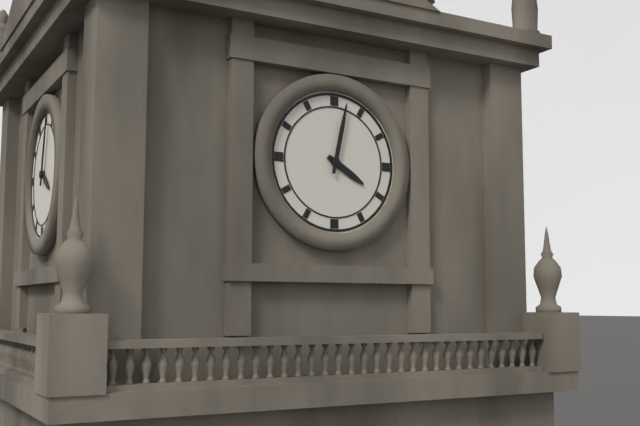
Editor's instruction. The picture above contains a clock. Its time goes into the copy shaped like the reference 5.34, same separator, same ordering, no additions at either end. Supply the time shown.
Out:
4.02
